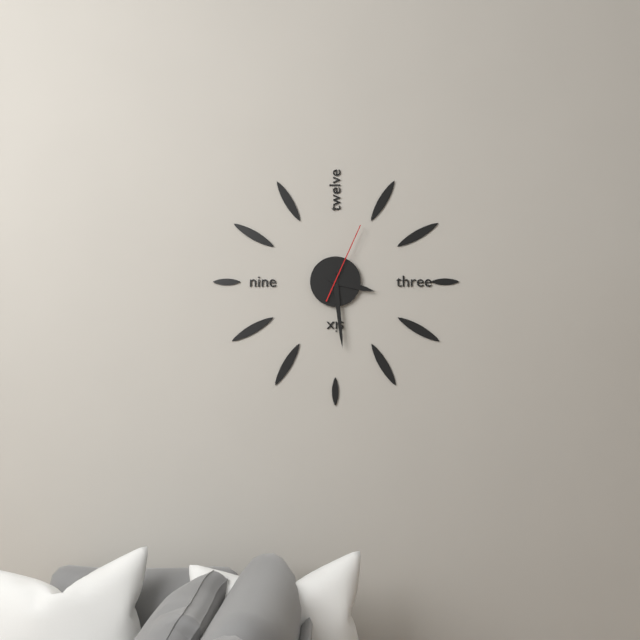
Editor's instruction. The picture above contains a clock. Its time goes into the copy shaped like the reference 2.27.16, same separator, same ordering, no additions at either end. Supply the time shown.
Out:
3.29.04
